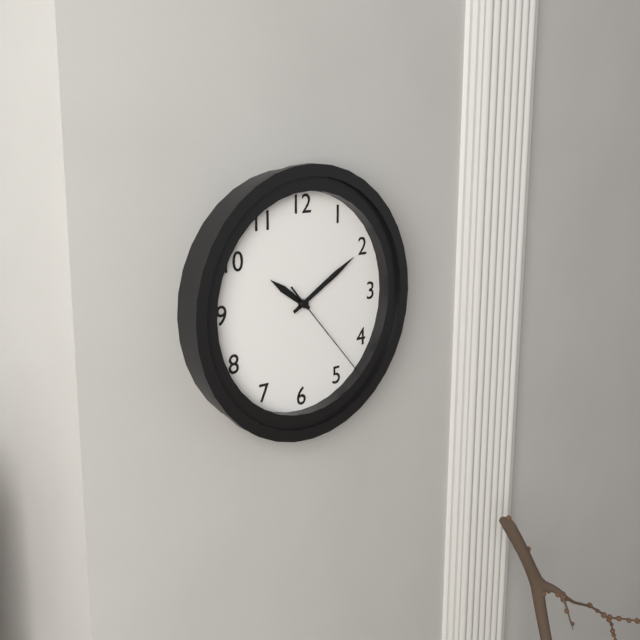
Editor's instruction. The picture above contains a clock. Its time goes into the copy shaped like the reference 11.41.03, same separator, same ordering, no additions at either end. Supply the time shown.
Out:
10.10.23
